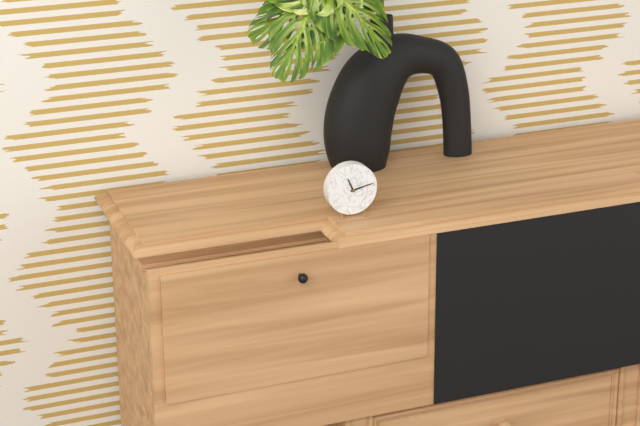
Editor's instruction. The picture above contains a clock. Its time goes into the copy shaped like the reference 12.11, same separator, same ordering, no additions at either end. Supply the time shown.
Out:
11.13
